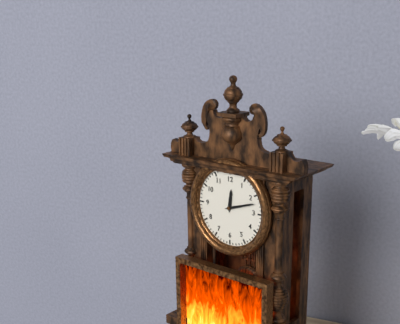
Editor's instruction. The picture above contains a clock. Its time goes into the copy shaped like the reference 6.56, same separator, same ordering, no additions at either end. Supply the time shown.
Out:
12.12
